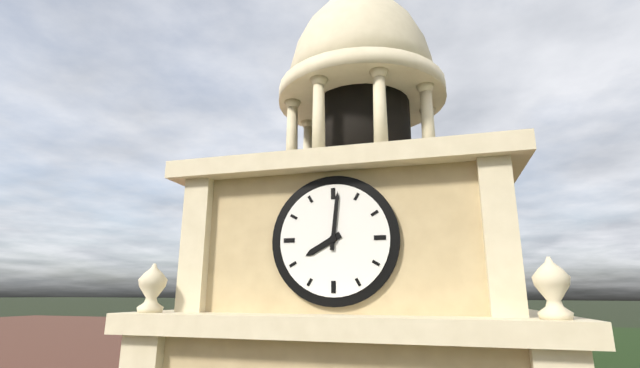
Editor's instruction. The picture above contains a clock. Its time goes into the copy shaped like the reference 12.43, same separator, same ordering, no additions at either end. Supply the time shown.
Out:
8.01
